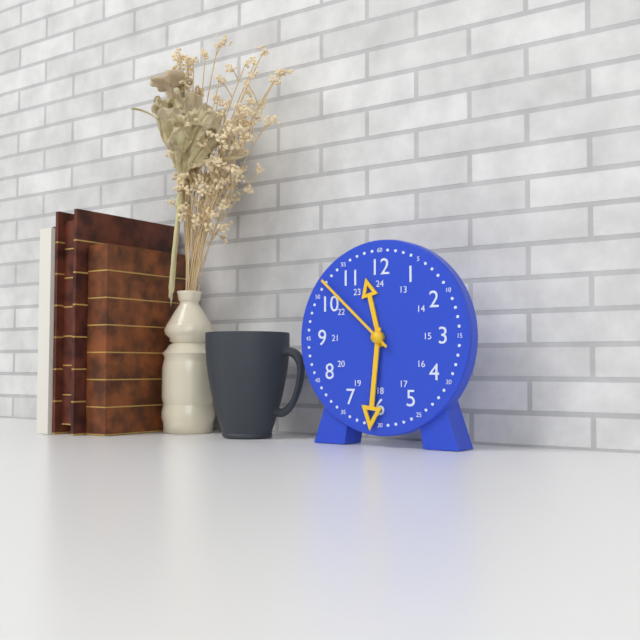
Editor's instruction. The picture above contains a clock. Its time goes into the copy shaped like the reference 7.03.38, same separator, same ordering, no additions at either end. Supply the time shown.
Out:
11.31.52
